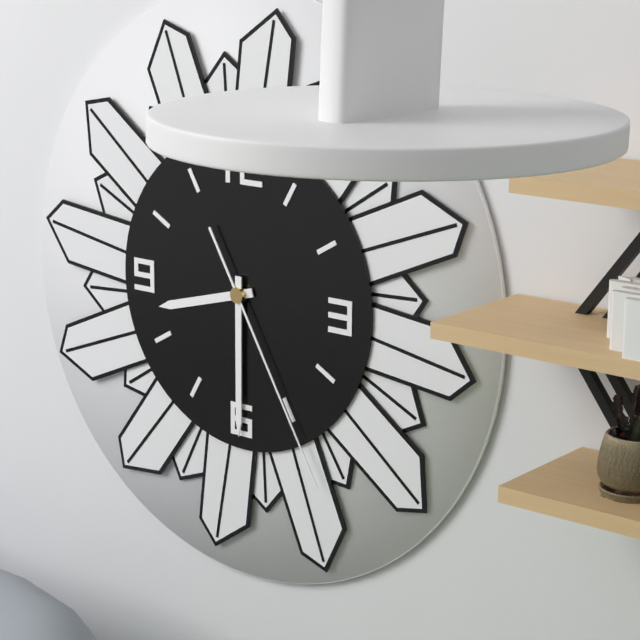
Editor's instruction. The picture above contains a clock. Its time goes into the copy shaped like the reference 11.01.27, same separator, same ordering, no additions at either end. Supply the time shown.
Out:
8.30.25
